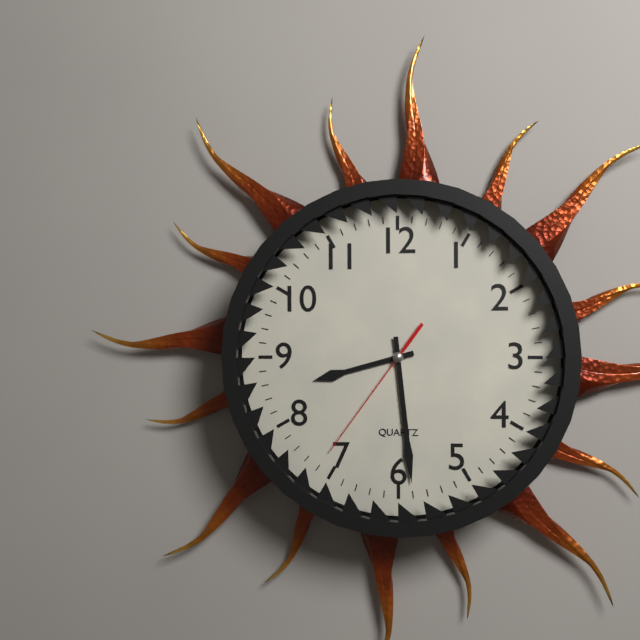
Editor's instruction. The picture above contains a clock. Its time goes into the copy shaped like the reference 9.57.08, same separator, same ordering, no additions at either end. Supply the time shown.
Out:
8.29.36
